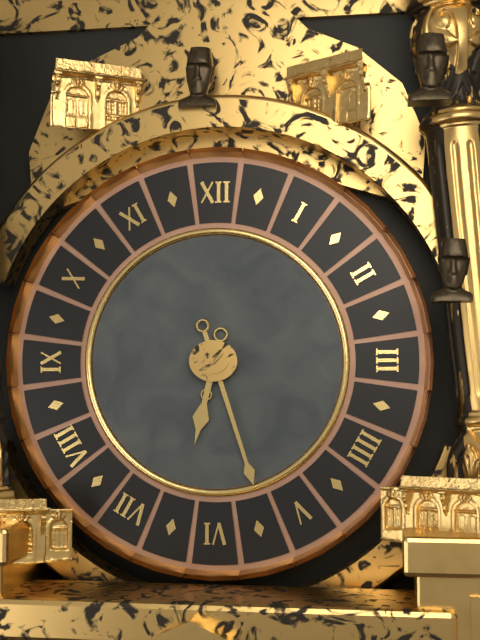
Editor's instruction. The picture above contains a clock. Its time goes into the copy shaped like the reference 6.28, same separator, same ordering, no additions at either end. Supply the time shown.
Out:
6.27
